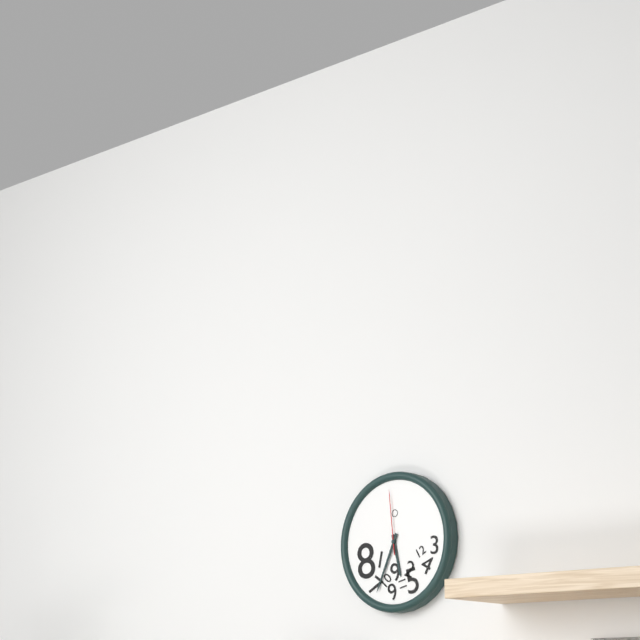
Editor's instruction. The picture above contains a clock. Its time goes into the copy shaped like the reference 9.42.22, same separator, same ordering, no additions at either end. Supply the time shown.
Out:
5.34.59
